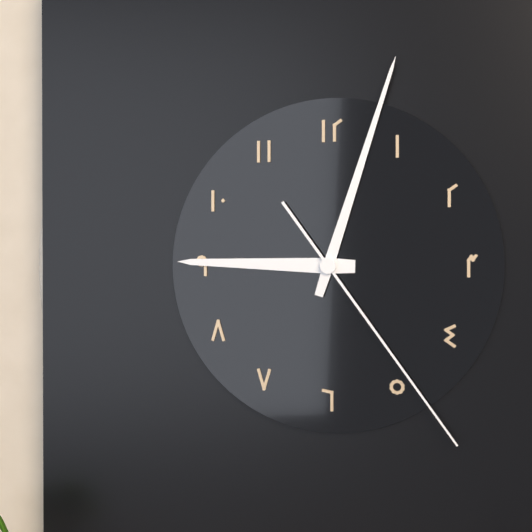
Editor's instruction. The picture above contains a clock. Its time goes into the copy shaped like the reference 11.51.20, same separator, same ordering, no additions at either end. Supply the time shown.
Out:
9.03.24
